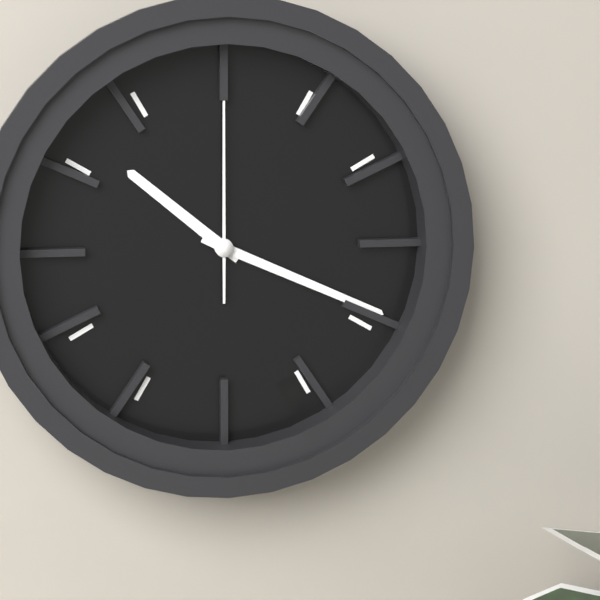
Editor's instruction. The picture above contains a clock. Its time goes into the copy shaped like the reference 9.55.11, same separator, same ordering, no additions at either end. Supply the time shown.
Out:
10.19.00
